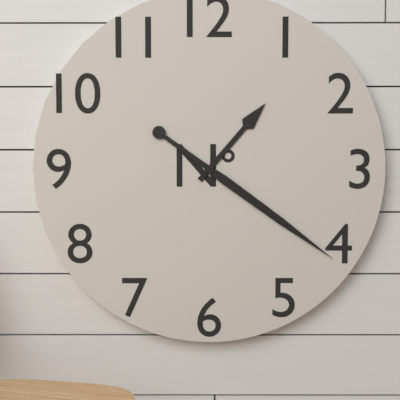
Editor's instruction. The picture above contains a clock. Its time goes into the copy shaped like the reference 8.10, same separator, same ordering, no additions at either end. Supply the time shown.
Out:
1.21
